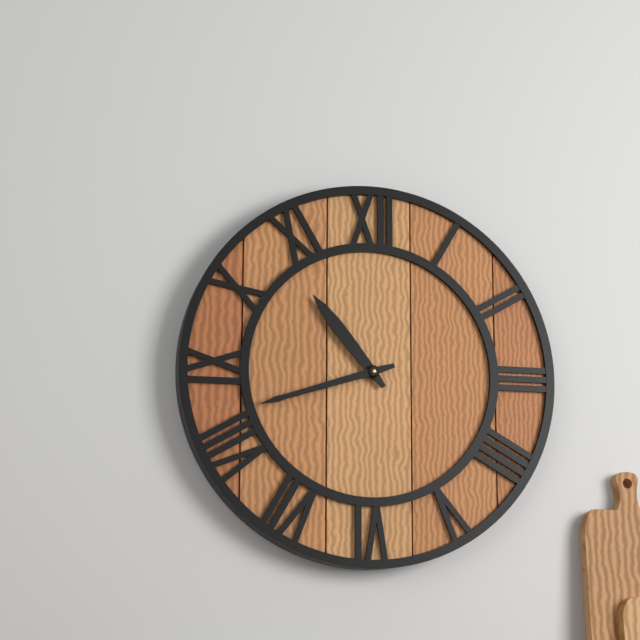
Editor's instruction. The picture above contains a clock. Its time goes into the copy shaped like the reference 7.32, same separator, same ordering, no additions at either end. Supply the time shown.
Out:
10.42
